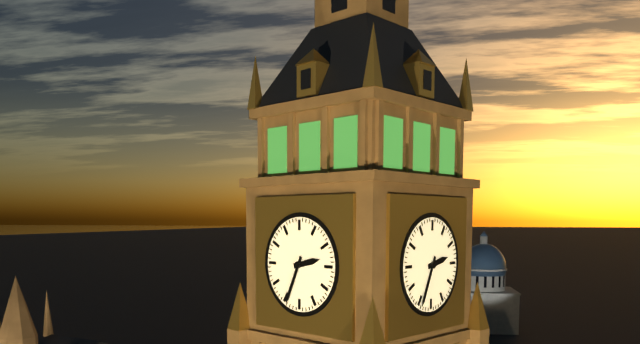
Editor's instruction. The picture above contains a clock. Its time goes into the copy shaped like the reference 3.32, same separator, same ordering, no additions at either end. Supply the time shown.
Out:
2.34
